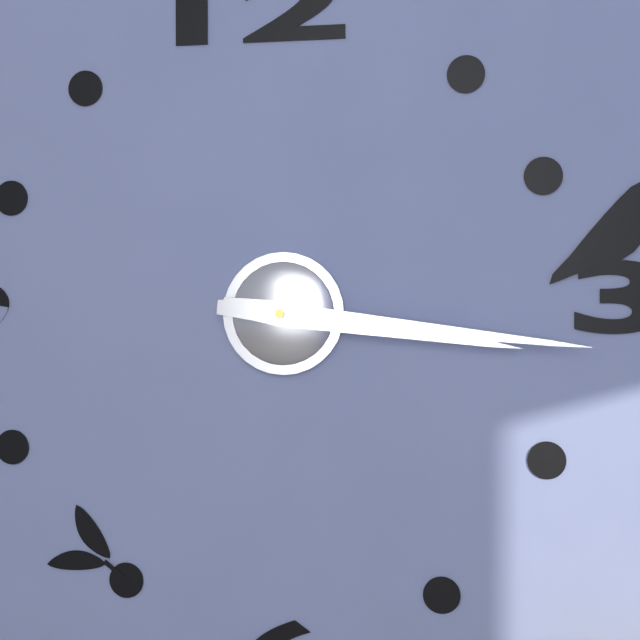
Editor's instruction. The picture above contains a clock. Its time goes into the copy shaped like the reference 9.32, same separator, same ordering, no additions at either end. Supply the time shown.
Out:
3.16
